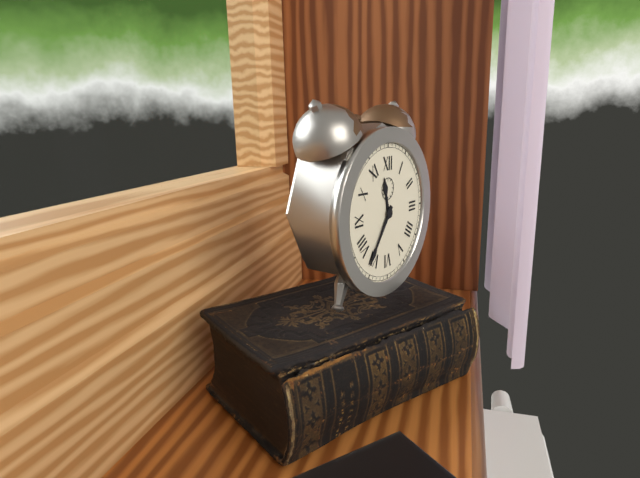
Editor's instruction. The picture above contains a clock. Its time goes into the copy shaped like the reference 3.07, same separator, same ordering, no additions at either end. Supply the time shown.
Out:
11.36
